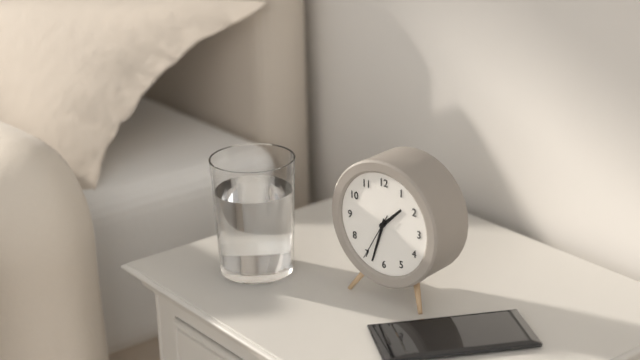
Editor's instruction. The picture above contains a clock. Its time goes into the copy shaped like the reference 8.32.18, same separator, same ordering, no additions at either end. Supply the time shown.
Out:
1.33.35
